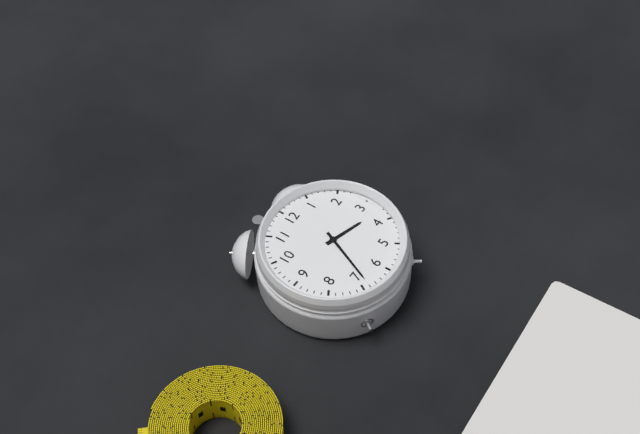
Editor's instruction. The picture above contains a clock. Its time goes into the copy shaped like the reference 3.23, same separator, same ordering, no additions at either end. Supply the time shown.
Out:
3.34
